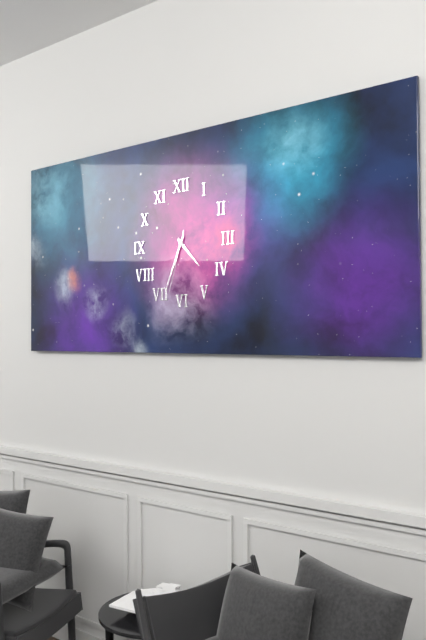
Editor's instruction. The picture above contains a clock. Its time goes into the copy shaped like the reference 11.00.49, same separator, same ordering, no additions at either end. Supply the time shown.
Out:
4.34.33
